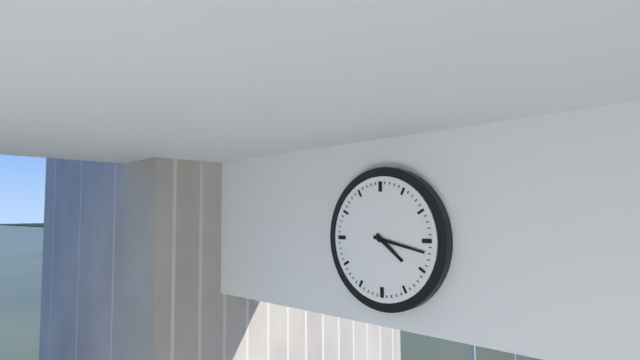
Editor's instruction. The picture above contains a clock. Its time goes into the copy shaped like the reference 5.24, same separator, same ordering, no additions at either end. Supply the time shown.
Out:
4.17
